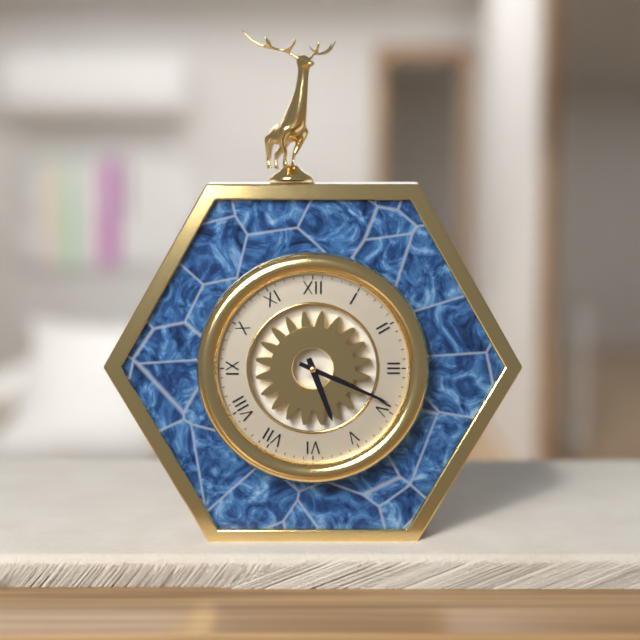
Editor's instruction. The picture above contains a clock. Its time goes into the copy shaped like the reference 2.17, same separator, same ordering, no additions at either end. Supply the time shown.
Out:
5.19
